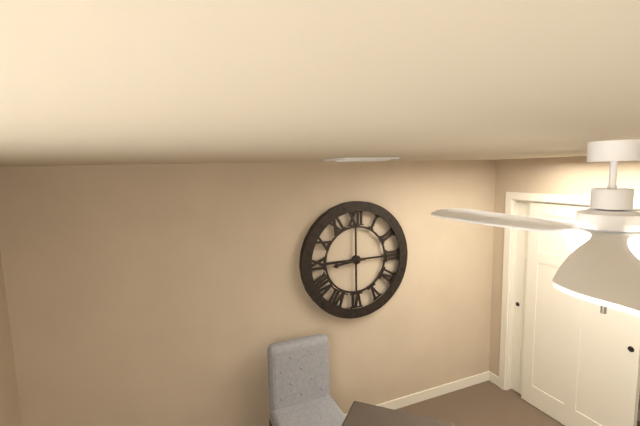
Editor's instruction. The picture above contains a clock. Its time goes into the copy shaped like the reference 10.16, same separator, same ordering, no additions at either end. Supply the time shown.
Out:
8.45
